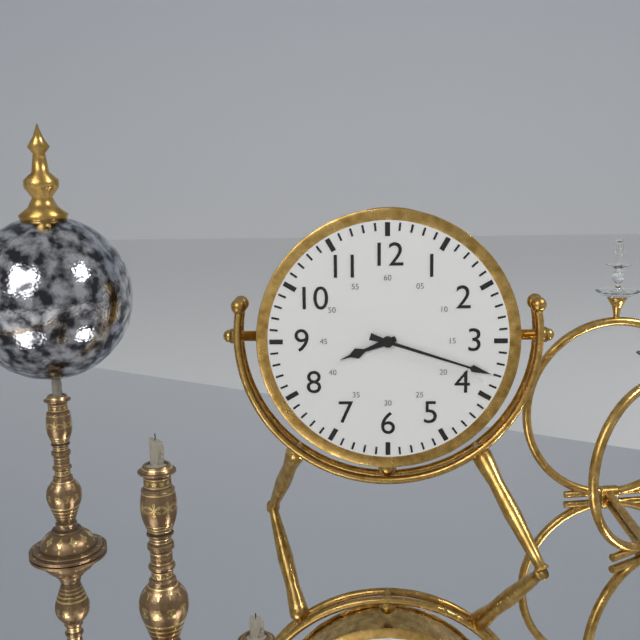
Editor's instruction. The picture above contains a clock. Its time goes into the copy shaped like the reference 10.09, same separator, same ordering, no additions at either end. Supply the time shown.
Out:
8.18
